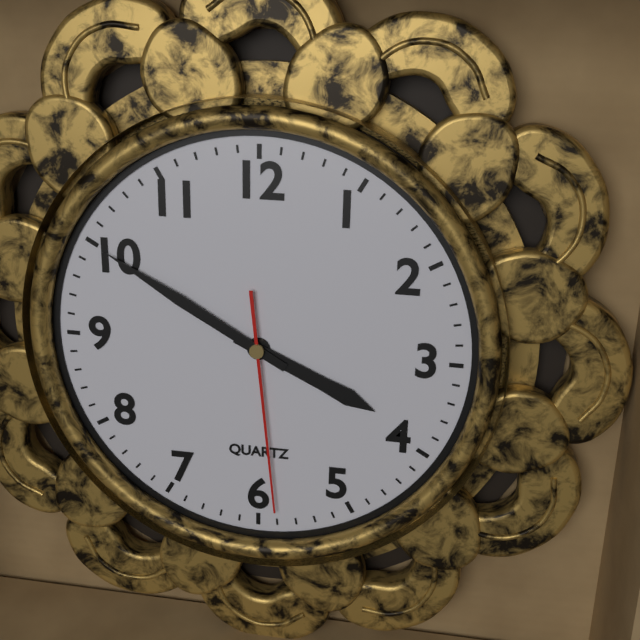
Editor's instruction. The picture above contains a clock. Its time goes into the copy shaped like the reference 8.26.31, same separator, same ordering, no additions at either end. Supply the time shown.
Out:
3.50.29
